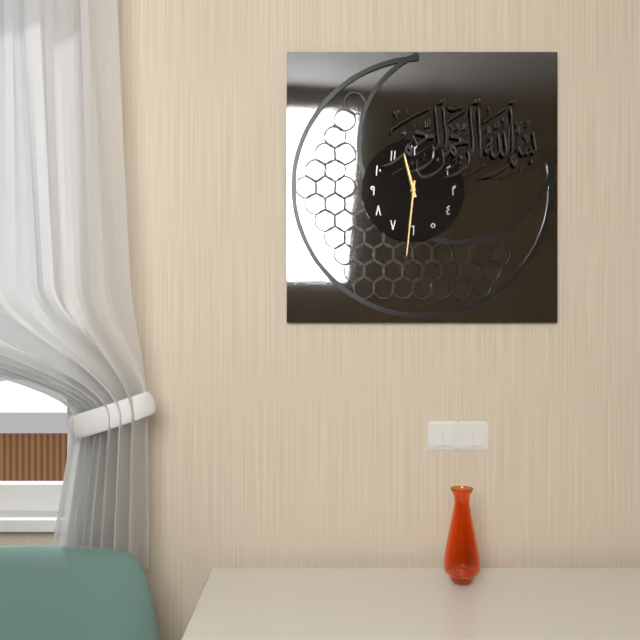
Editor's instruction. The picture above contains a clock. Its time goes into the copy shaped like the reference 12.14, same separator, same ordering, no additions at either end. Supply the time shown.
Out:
11.31
